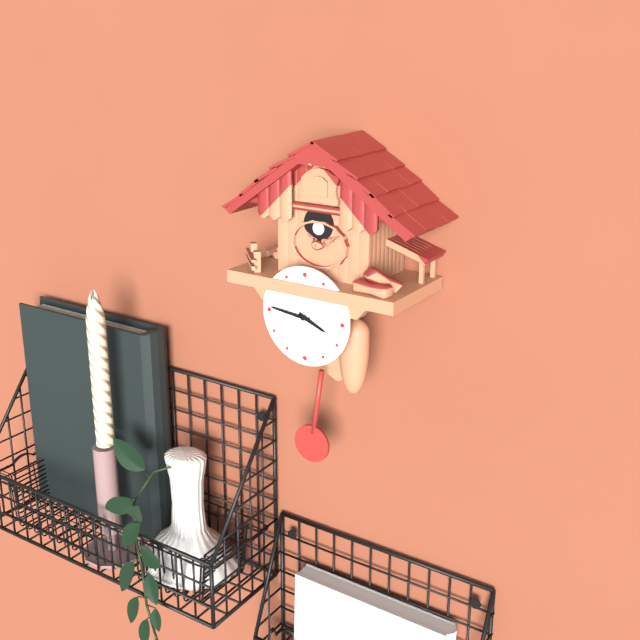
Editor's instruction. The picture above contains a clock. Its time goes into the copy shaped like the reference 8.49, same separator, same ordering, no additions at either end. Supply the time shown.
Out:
3.46
